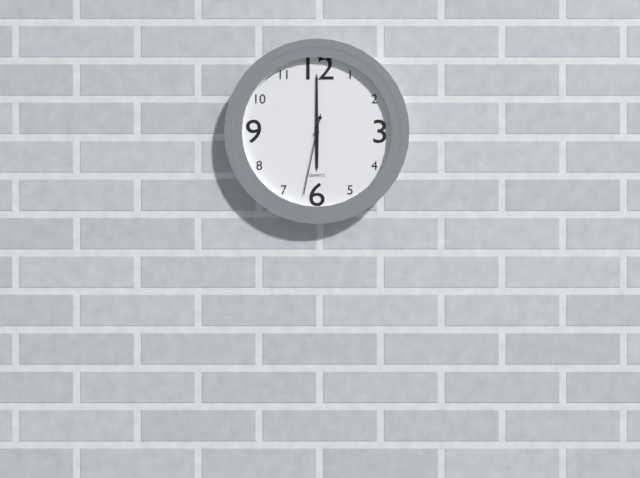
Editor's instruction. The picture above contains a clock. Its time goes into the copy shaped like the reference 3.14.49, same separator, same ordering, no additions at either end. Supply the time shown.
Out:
6.00.32
